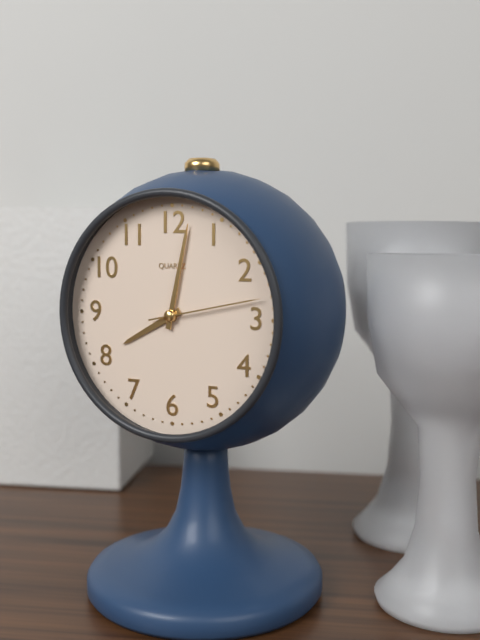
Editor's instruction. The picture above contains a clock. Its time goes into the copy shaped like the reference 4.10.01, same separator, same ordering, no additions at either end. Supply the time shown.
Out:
8.02.13
